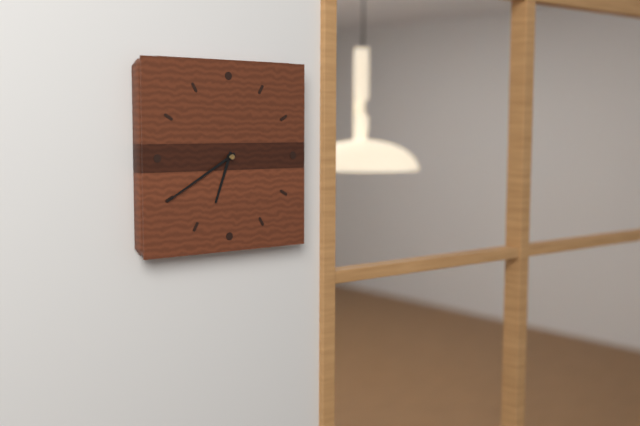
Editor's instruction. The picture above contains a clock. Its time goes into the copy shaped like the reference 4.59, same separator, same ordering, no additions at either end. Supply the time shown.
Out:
6.40
